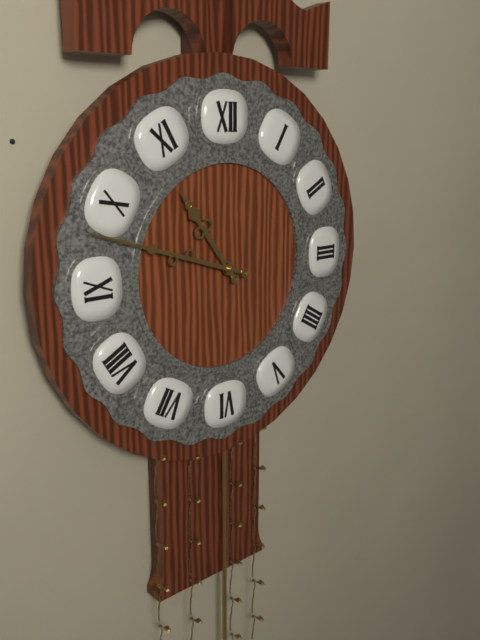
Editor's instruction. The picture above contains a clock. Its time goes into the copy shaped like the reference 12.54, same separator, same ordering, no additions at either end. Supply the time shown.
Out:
10.48
